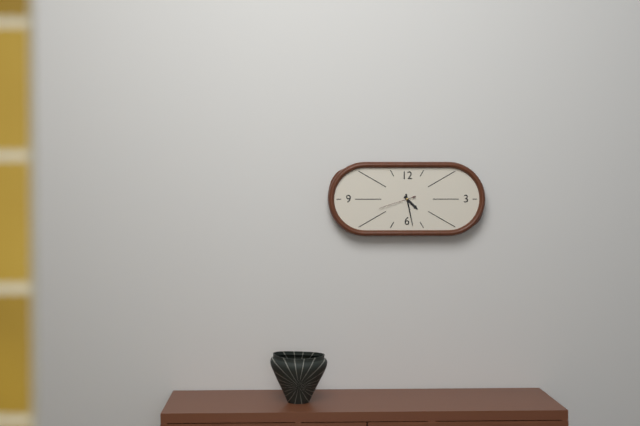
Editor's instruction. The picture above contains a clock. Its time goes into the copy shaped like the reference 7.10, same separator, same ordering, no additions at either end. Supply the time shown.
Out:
4.28
